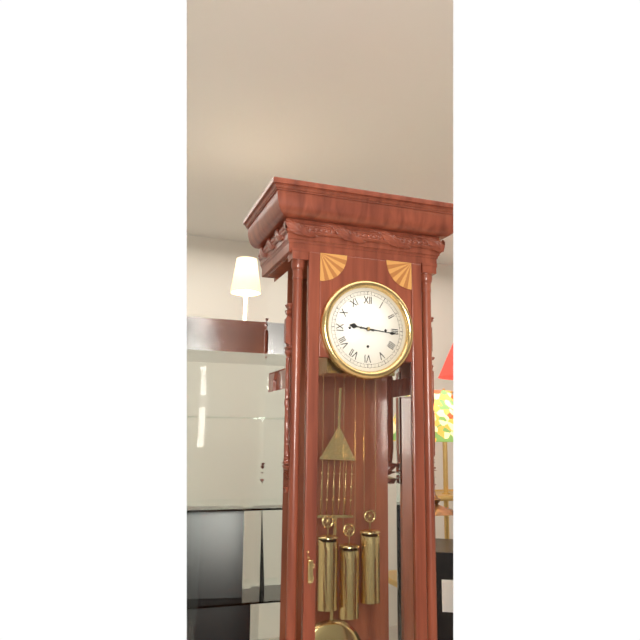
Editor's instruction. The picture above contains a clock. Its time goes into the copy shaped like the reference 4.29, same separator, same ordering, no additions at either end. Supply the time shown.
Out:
9.16
